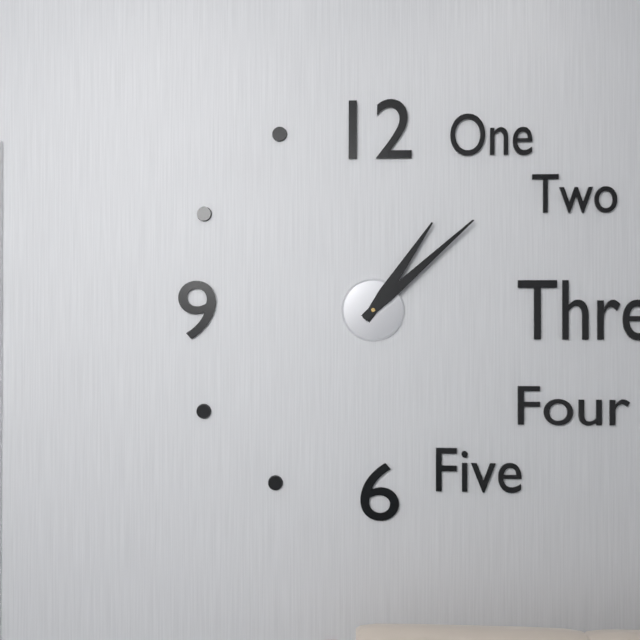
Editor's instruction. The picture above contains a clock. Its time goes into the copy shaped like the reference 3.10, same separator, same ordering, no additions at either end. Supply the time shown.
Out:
1.08
